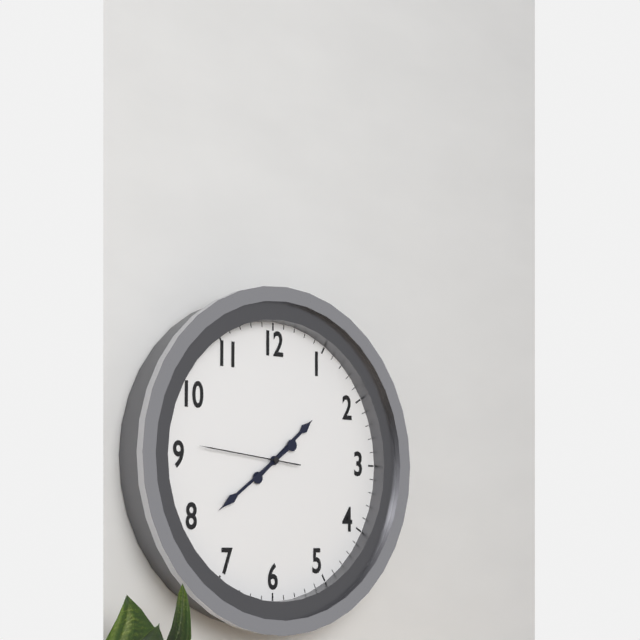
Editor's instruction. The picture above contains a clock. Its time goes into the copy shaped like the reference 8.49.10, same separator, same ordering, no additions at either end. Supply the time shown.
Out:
1.39.46
